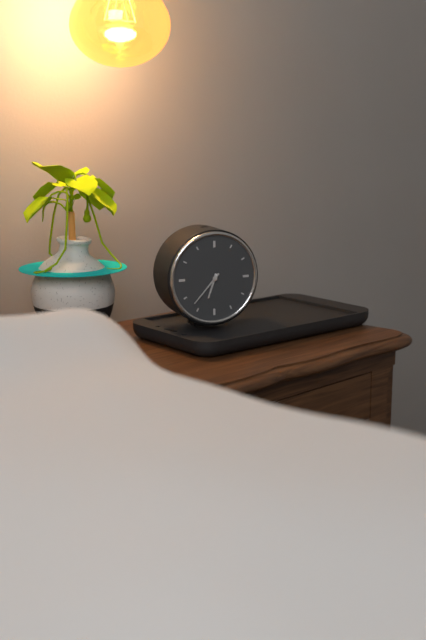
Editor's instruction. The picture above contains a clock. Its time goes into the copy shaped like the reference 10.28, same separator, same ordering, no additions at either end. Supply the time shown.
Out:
6.37
